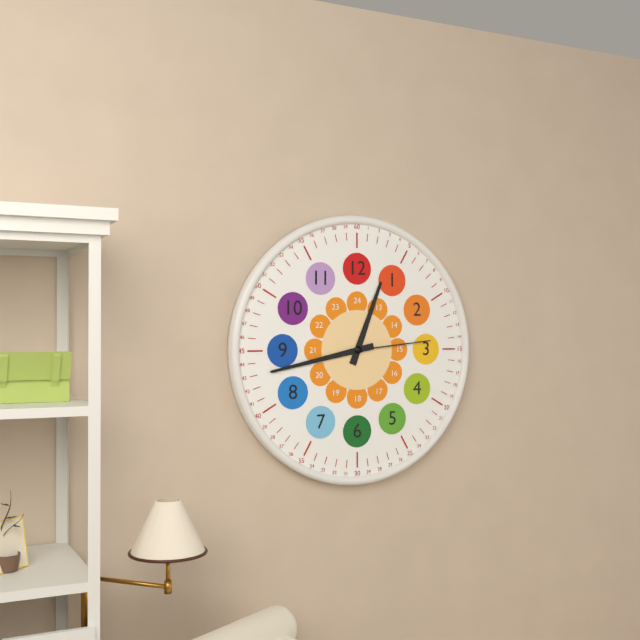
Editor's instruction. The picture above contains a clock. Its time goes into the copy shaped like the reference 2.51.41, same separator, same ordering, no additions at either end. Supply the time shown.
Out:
12.43.14
